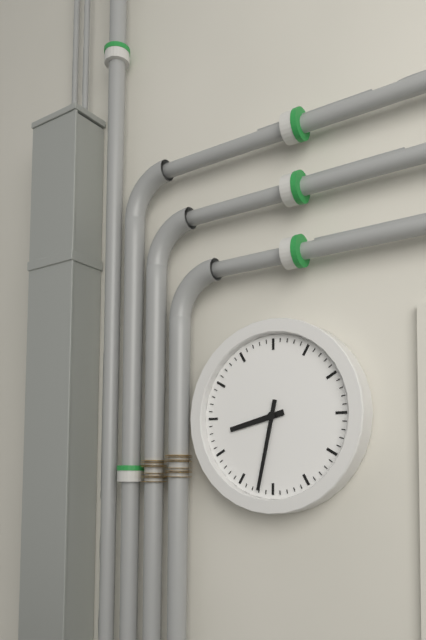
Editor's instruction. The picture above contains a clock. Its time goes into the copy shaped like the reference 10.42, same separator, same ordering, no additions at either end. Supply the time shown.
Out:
8.32
